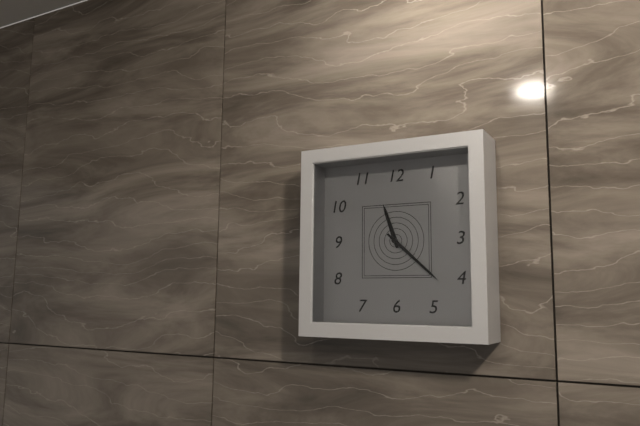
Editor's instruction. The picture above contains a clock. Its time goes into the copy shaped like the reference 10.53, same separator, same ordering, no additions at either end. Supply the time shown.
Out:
11.22
